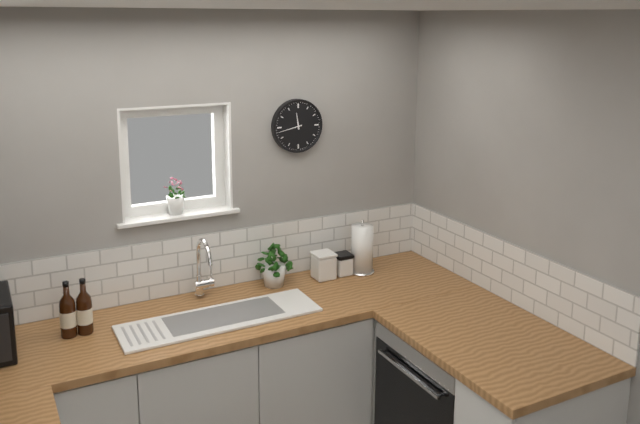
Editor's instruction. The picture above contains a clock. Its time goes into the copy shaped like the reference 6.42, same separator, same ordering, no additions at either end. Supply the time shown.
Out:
11.43
